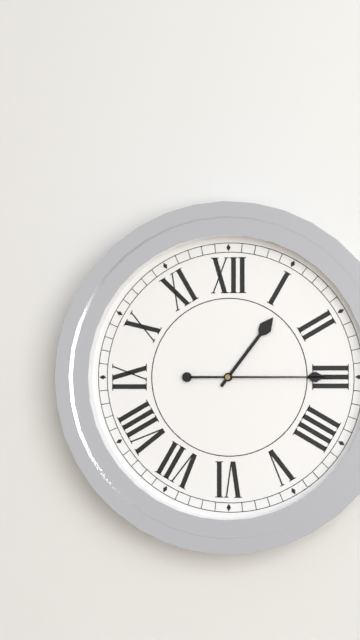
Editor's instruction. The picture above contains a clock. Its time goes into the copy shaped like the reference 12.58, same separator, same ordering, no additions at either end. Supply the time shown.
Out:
1.15
